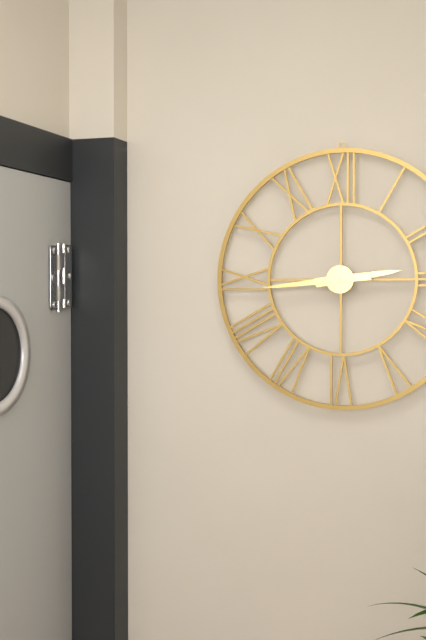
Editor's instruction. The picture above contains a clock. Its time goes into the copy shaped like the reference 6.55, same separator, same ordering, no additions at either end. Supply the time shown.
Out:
2.44
